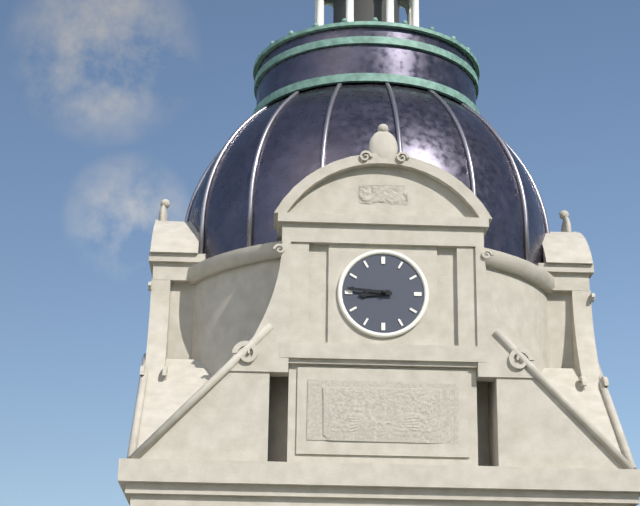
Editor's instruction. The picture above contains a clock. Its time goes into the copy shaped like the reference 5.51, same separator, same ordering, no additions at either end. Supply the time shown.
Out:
8.46
